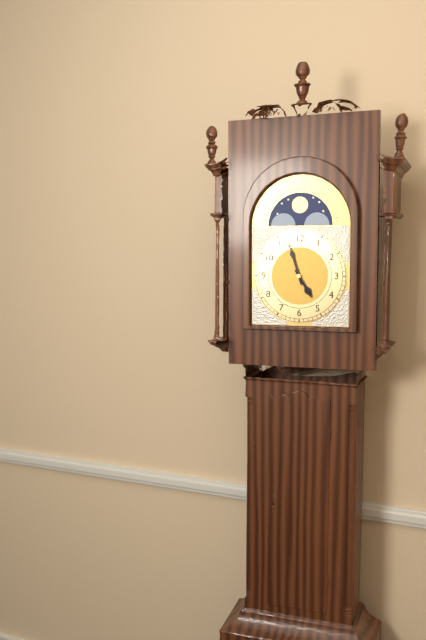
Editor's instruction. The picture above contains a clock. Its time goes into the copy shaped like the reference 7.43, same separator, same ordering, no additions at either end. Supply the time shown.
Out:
4.57
